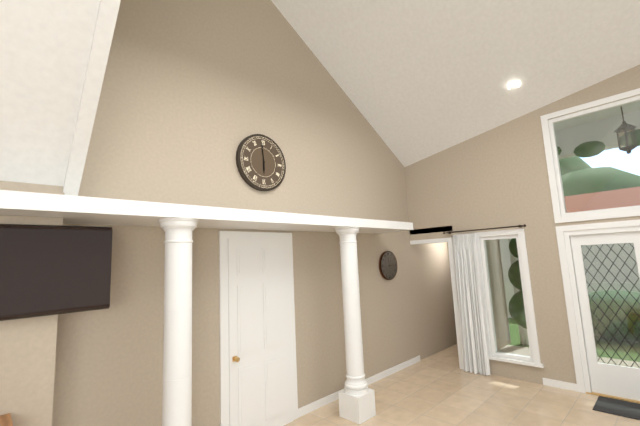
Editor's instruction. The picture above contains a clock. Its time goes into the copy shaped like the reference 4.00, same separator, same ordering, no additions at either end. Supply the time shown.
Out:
5.59
